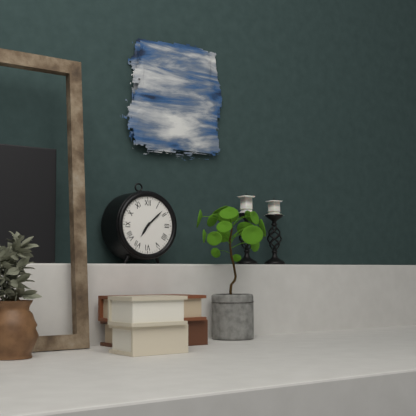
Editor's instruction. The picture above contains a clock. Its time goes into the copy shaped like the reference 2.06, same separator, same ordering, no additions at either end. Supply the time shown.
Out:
7.08
